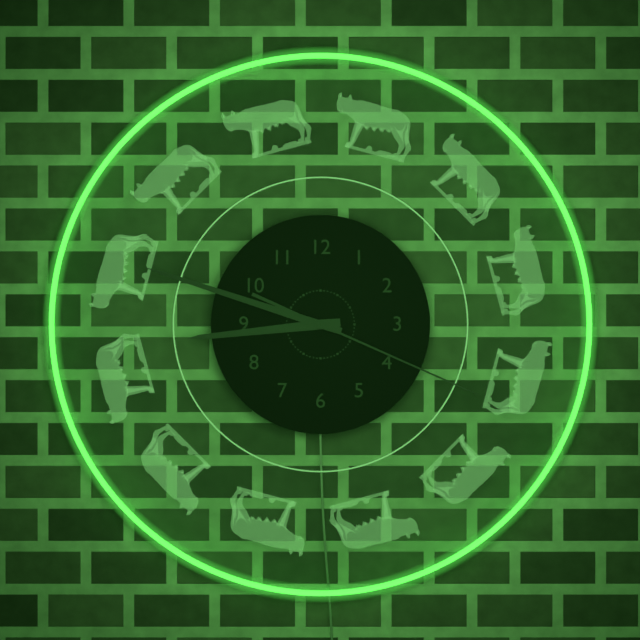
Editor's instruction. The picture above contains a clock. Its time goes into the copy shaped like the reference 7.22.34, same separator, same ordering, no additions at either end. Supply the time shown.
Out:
8.48.19
